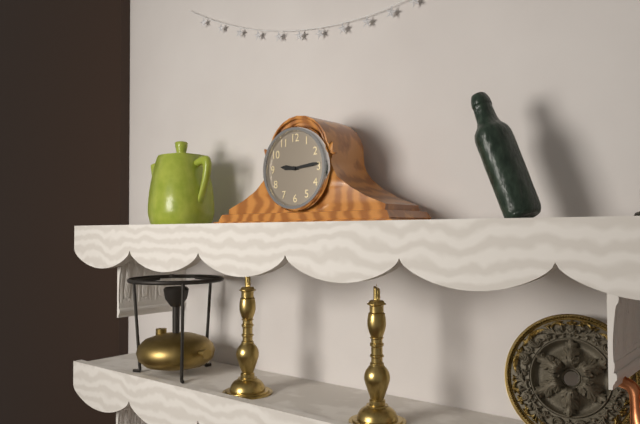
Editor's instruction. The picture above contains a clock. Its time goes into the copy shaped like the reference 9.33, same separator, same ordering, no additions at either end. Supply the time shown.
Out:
9.14
